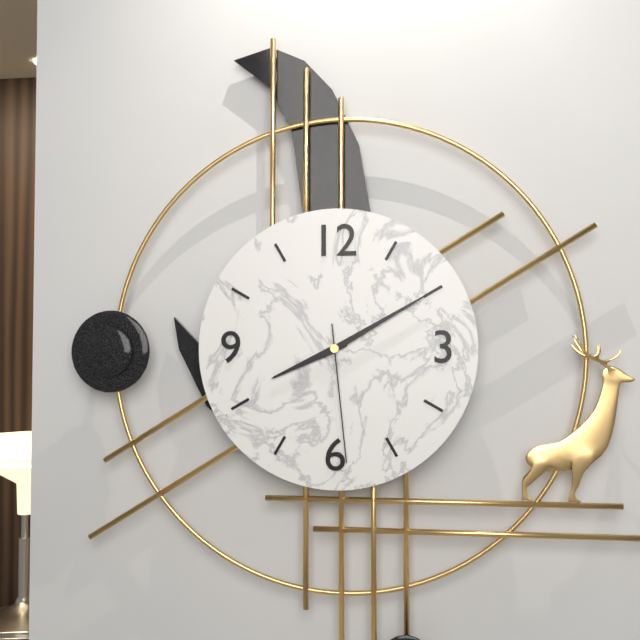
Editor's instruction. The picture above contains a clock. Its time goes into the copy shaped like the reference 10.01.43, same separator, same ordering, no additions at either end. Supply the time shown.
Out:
8.10.29
